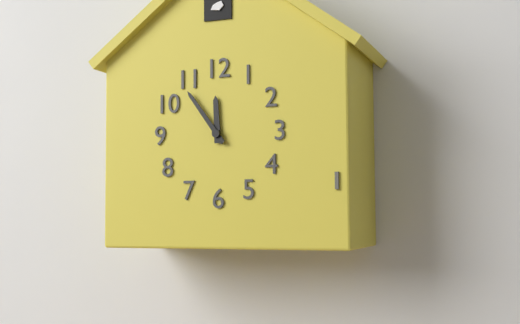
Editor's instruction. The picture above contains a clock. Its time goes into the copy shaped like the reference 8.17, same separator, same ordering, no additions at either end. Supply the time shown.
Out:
11.54
